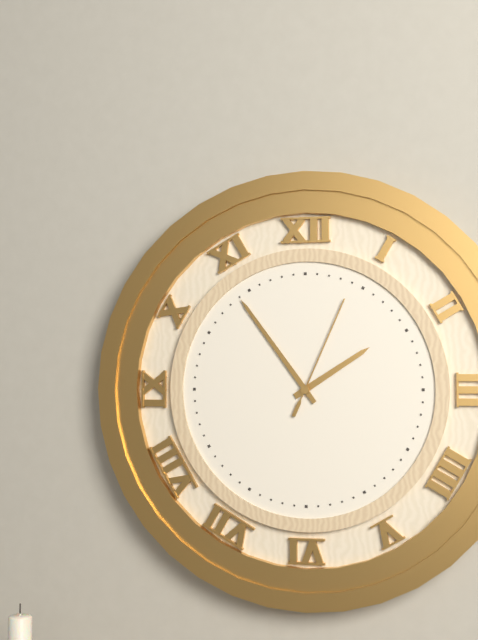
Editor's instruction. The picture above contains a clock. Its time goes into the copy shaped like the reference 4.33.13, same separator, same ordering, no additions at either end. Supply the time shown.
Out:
1.54.04
